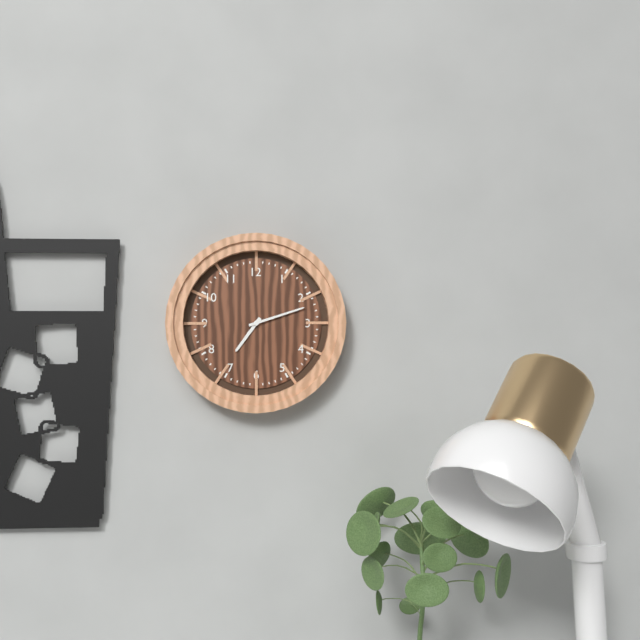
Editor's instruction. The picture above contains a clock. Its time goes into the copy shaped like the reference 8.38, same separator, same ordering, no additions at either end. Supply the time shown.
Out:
7.12
